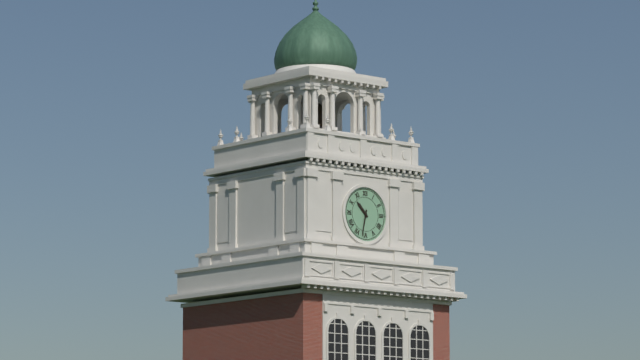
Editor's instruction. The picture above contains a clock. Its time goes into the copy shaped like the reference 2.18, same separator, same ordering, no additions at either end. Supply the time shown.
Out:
10.32
